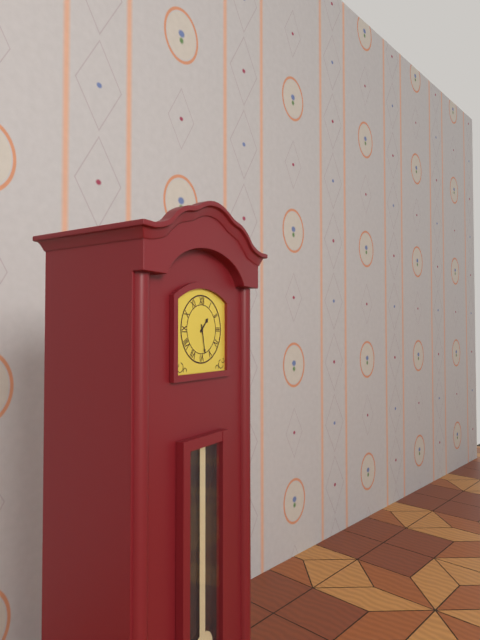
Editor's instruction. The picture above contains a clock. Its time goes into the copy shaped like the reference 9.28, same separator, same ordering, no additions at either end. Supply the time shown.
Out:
1.28
